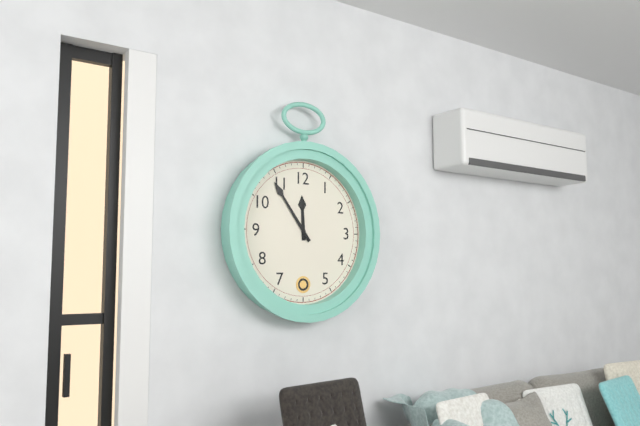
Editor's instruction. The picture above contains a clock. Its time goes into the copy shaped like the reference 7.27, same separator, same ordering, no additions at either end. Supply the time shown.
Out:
11.54
